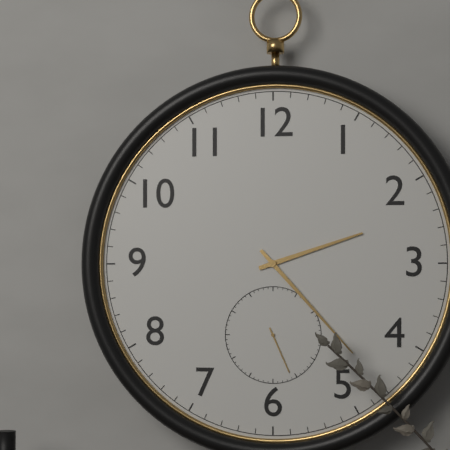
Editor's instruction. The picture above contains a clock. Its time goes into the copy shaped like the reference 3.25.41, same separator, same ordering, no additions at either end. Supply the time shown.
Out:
2.23.26
